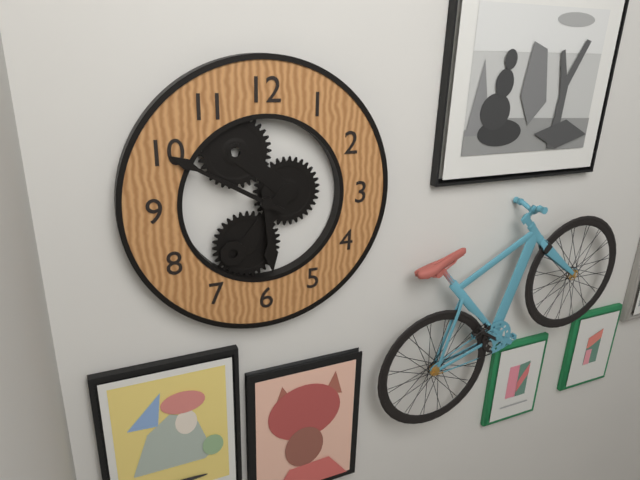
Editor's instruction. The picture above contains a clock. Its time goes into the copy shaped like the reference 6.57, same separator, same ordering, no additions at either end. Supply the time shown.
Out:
5.50
